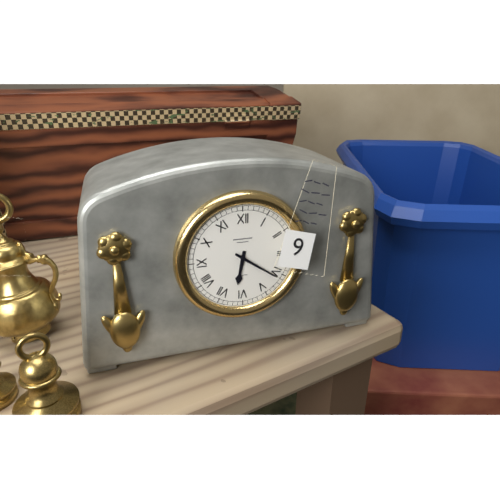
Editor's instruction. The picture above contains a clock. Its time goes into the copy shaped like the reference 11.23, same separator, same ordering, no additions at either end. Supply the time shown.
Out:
6.21
